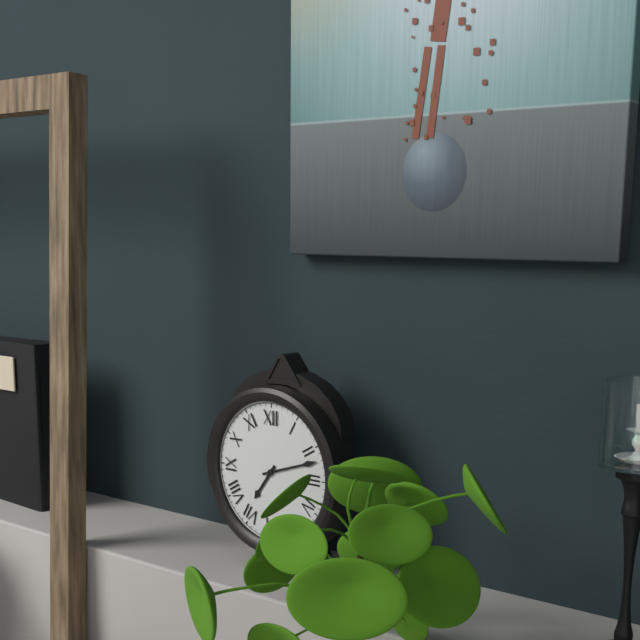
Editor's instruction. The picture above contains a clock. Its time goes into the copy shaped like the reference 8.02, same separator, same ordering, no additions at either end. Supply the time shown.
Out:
7.12
